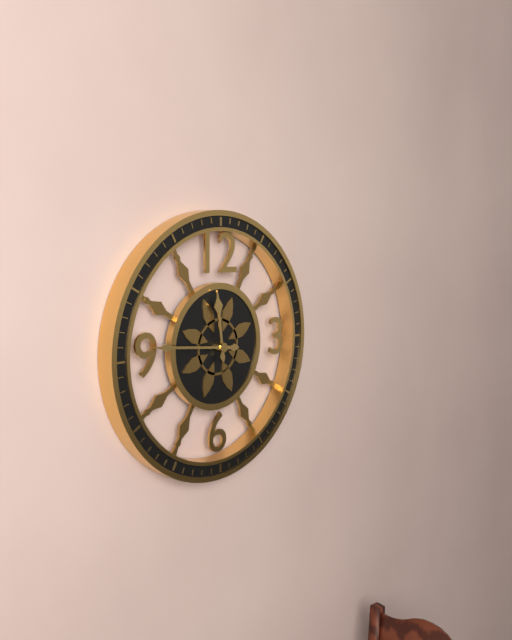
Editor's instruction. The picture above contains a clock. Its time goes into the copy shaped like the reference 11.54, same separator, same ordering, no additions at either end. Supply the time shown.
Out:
11.46
